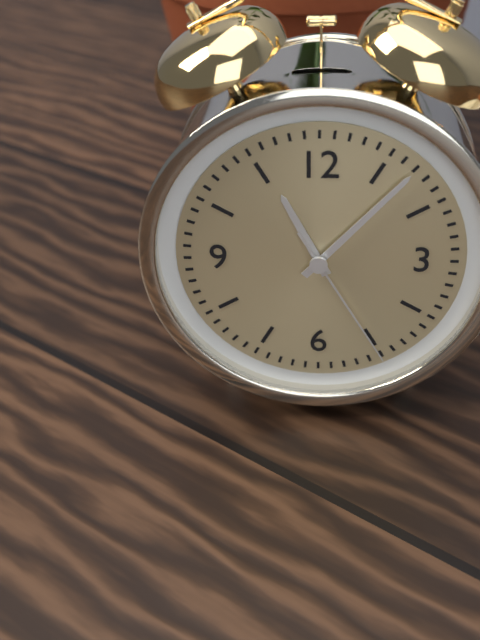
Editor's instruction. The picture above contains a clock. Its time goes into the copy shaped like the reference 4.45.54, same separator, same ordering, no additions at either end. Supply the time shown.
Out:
11.07.25
